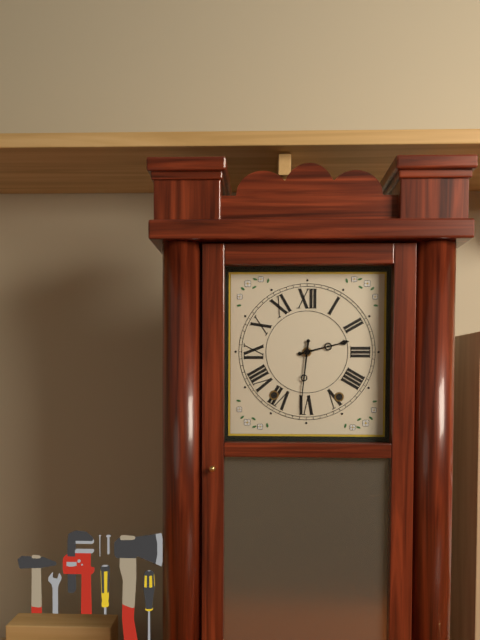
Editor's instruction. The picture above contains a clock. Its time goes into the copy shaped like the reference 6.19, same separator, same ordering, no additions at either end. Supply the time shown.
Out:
2.31
